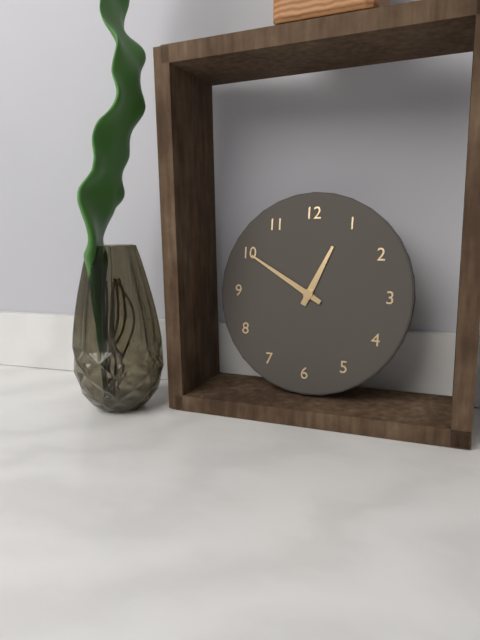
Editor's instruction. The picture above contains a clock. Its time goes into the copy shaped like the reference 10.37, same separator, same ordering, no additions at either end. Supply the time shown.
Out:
12.50
